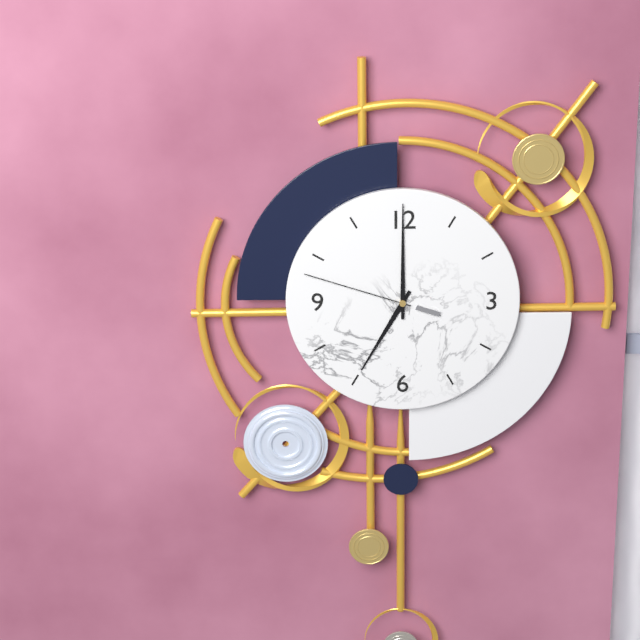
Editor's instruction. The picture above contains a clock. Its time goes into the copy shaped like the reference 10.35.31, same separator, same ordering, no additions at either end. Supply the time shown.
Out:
7.00.48
